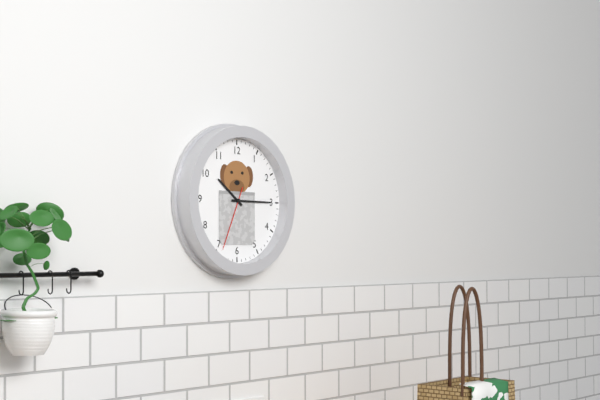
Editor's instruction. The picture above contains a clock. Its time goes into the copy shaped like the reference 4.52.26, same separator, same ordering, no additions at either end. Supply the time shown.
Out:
10.15.34
